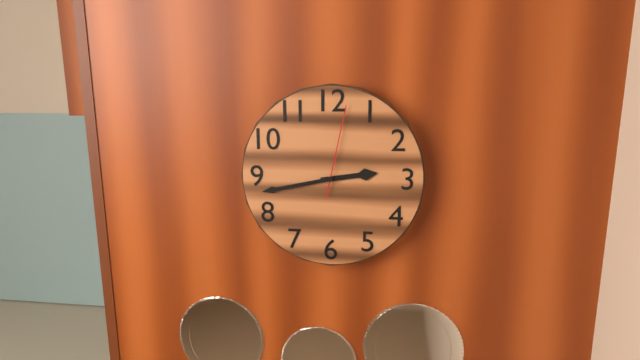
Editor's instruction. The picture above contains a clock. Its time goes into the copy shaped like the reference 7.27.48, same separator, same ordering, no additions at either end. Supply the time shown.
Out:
2.43.02
